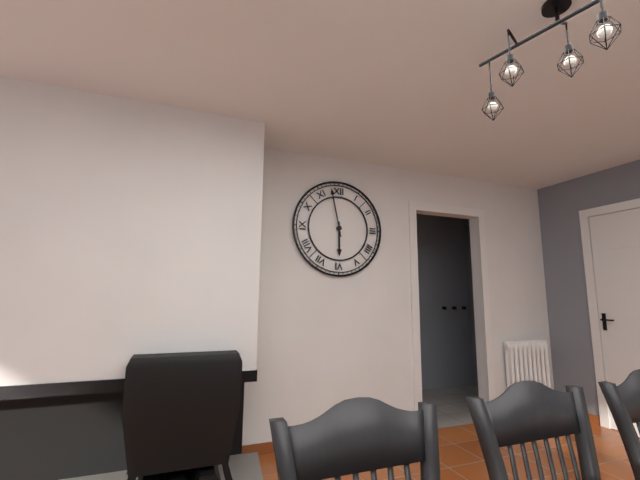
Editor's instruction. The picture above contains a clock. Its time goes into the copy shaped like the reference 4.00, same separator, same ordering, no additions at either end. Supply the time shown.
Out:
5.58
